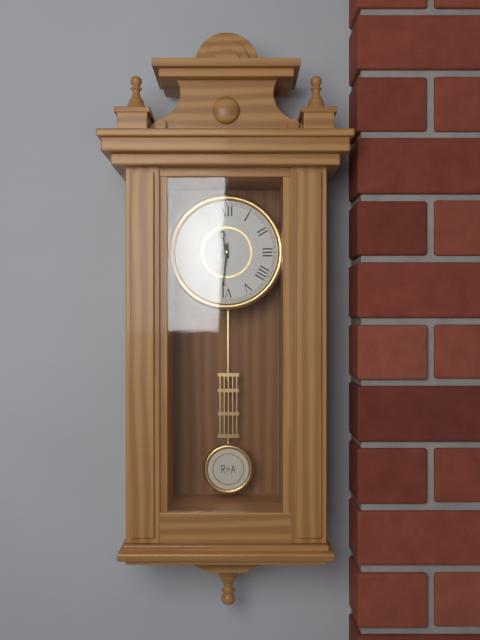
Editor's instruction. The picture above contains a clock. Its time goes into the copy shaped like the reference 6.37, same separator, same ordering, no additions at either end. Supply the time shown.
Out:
11.31
